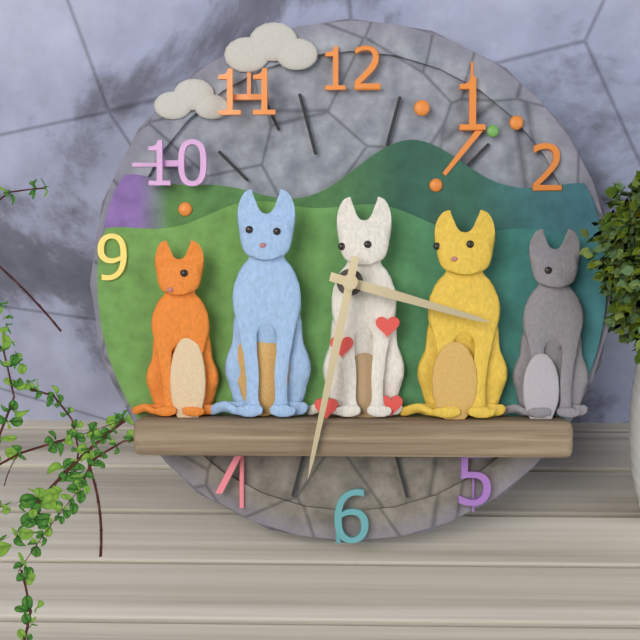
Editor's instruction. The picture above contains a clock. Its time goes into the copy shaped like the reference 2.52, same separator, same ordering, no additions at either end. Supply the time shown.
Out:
3.32
